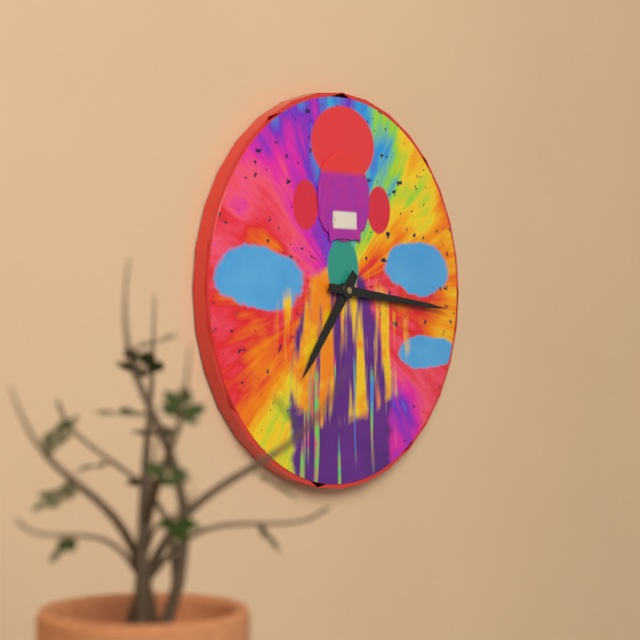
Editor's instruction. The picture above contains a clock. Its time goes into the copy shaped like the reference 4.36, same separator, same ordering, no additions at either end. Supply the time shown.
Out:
7.16
